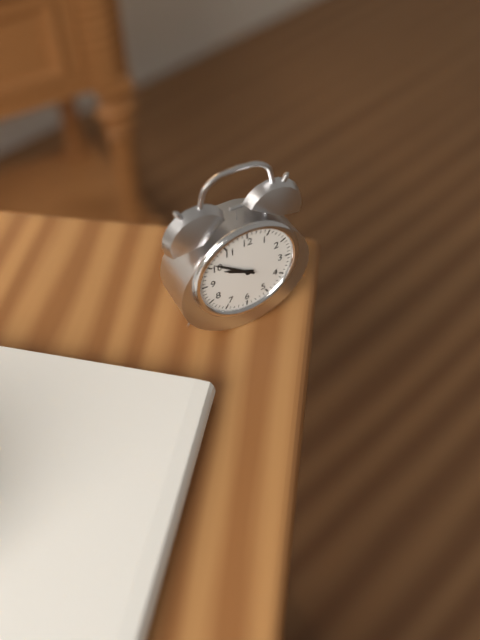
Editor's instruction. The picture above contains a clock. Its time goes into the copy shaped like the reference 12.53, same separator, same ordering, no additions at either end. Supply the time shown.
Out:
9.51
